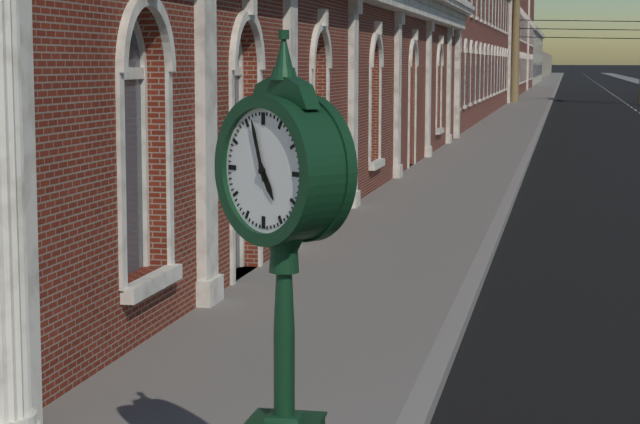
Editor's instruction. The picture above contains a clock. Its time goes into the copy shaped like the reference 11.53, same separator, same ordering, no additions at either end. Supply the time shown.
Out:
4.57
